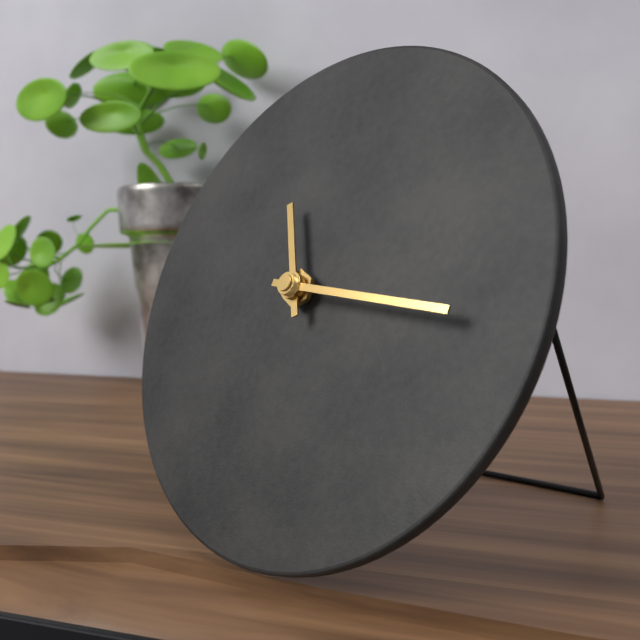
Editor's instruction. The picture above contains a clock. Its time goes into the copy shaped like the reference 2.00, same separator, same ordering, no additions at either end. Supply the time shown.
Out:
11.16
